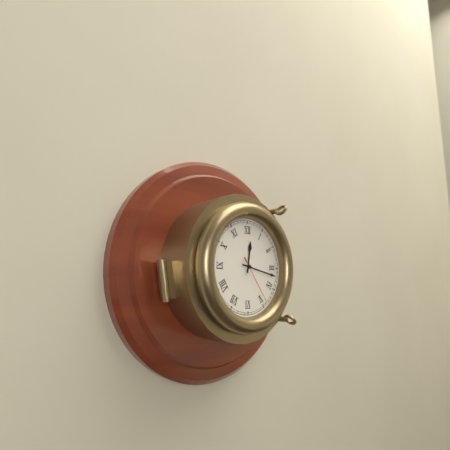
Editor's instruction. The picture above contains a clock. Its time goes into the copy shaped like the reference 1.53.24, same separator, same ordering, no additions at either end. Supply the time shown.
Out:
12.17.24
